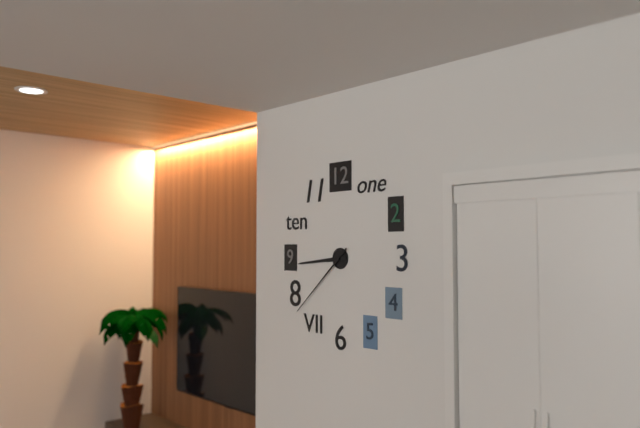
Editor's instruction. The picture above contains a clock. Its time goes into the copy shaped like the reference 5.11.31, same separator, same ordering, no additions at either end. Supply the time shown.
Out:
8.44.38
